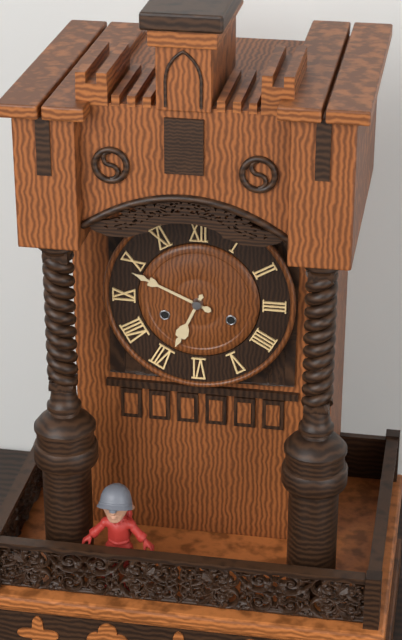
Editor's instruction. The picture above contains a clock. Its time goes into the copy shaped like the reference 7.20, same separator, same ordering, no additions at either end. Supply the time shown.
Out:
6.49
